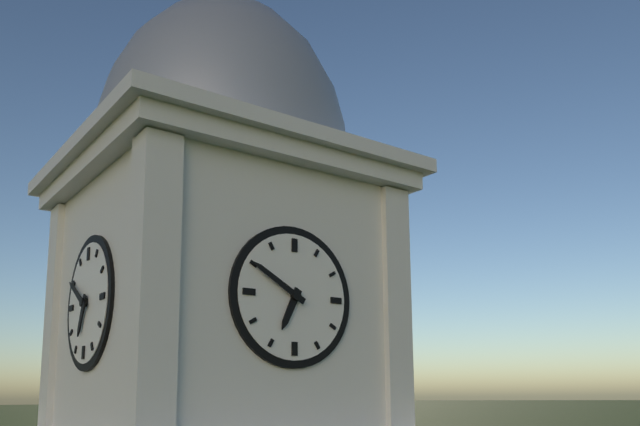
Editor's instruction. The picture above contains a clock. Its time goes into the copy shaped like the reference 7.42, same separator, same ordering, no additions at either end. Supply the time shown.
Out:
6.50
